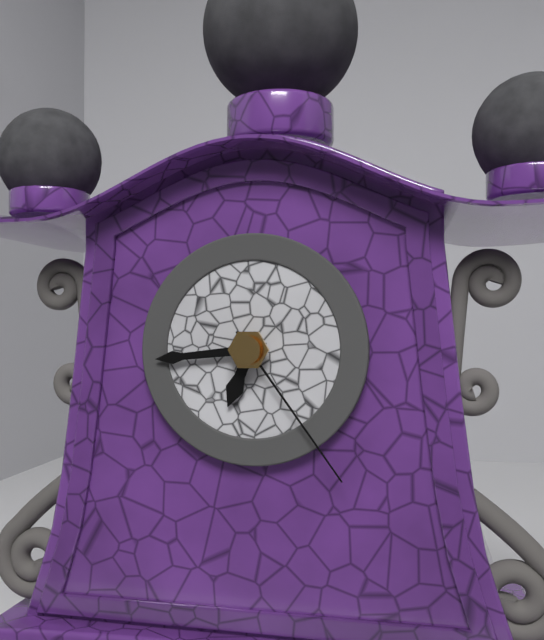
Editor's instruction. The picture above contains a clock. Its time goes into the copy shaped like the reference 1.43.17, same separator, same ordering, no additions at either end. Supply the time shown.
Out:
6.44.24
